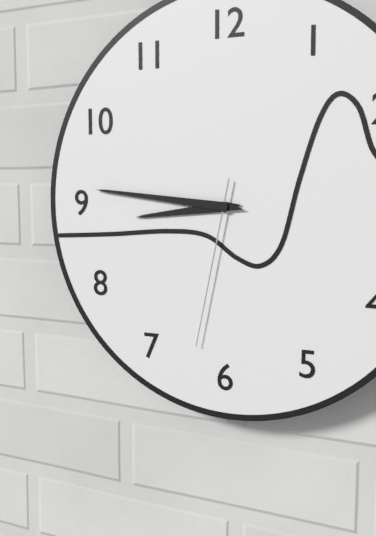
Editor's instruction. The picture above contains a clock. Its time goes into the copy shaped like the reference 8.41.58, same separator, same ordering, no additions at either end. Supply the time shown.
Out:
8.46.32
